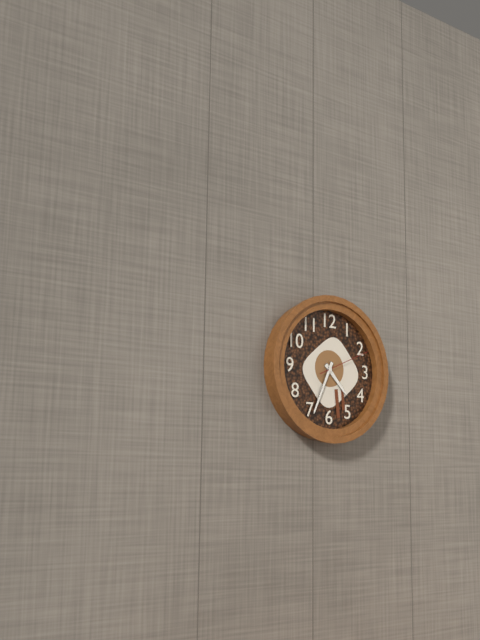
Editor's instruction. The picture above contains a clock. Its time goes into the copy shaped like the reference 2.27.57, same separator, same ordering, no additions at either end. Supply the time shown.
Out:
4.34.11
